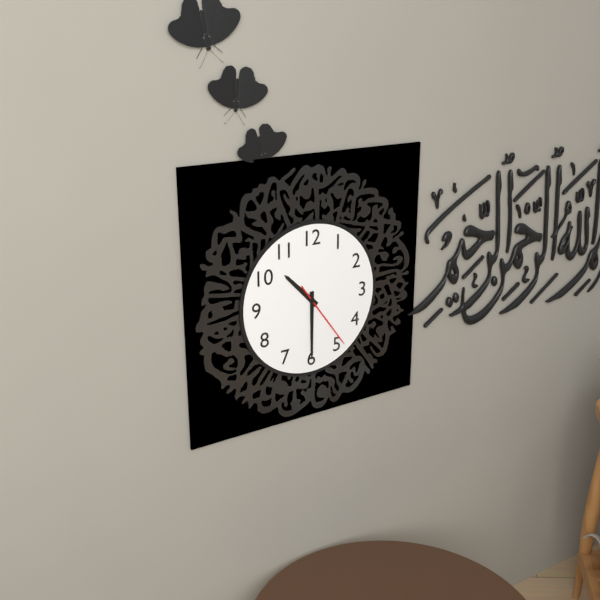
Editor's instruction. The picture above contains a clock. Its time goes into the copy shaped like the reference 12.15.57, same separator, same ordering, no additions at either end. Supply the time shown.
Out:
10.30.24
